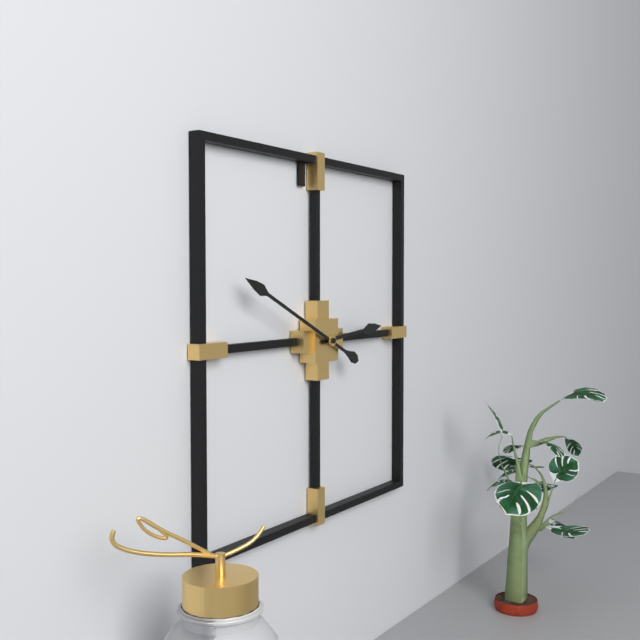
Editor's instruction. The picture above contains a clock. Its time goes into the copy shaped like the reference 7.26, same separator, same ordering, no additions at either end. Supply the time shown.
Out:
2.49
